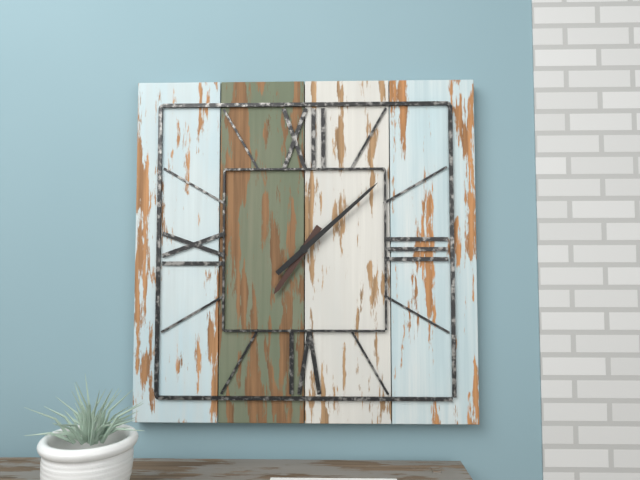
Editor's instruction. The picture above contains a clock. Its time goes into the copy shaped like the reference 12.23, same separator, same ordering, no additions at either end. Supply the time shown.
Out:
7.08
